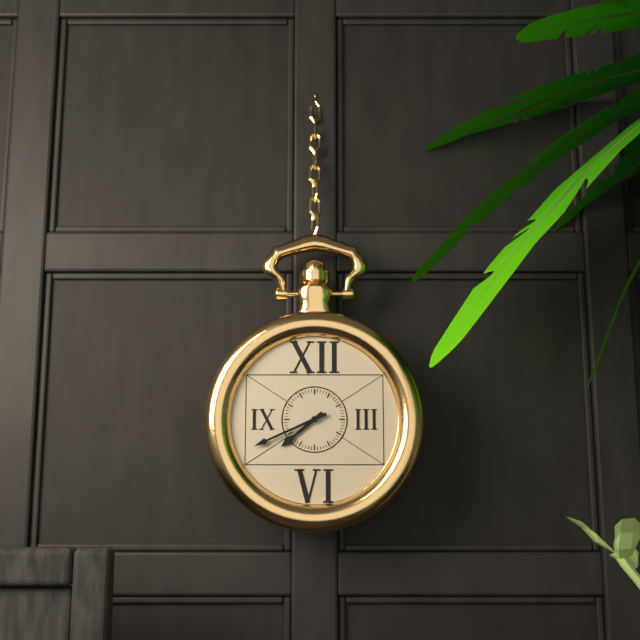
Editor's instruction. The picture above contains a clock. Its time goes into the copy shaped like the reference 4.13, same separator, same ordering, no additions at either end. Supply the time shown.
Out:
7.41
